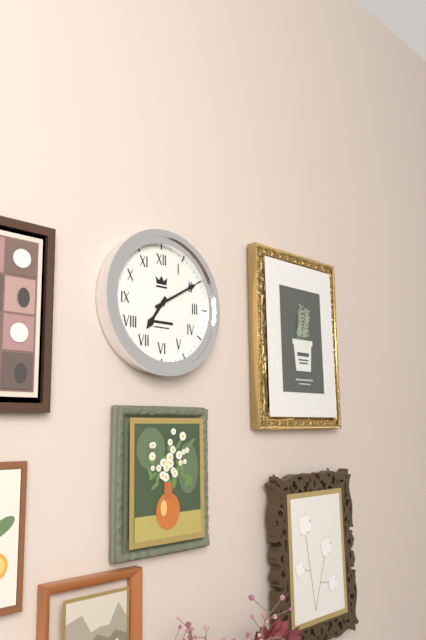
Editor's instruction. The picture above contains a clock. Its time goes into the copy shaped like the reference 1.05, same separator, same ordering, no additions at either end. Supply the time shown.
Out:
7.10
